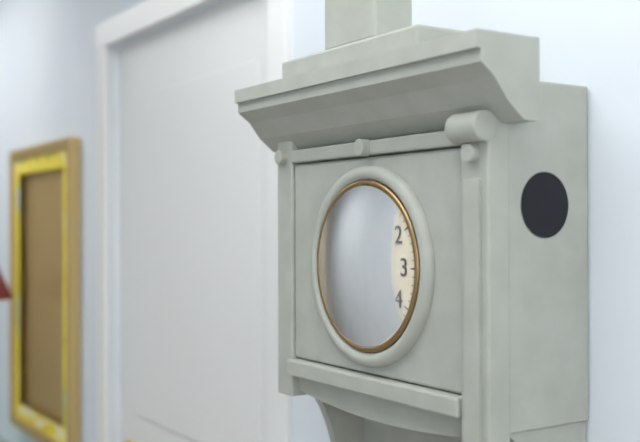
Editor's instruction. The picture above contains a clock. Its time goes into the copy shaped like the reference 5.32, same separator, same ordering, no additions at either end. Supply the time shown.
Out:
11.55
